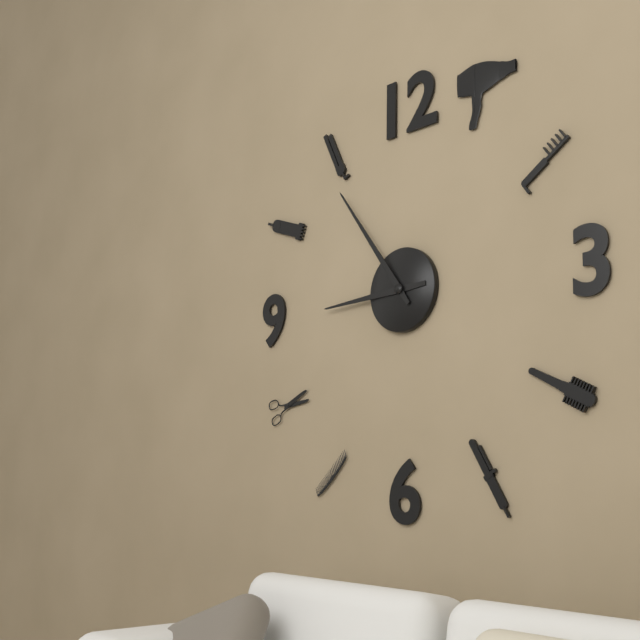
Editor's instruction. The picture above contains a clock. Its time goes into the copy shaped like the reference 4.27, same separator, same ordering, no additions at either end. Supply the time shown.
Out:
8.54
